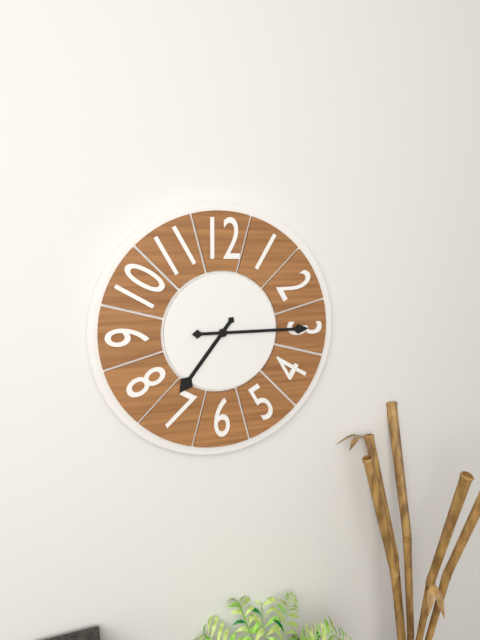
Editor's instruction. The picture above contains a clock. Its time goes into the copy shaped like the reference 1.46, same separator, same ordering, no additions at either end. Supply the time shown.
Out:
7.15
